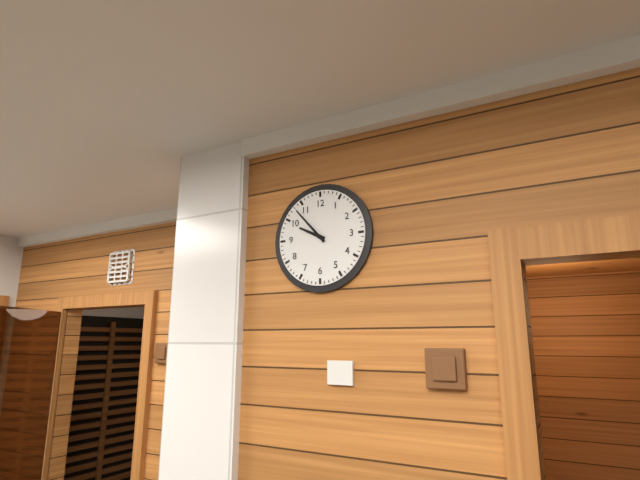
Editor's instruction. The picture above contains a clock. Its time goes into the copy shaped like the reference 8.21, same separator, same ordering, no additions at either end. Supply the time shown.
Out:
9.53
